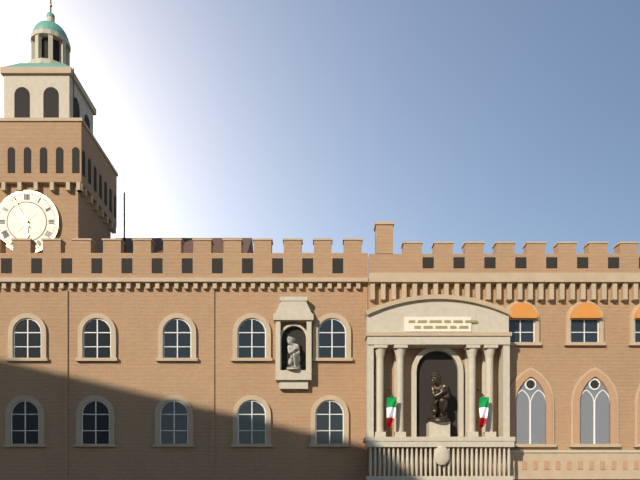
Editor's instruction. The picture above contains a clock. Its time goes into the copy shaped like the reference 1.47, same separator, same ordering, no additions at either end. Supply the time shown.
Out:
5.55
